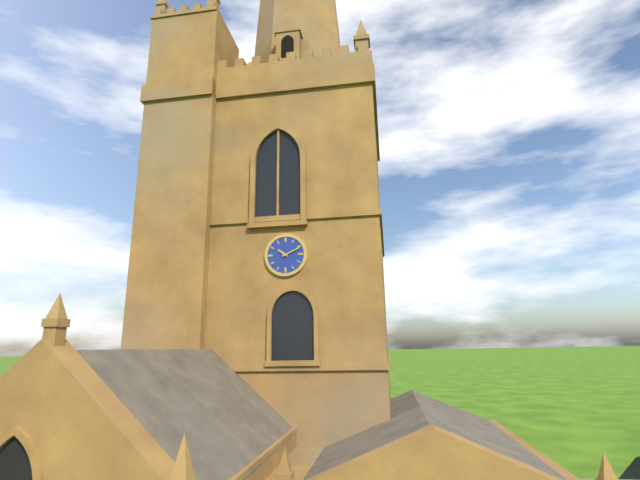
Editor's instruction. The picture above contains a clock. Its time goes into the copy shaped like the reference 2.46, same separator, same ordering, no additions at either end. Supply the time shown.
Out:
10.11
